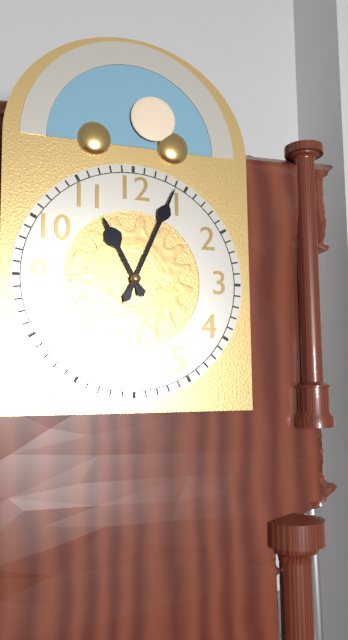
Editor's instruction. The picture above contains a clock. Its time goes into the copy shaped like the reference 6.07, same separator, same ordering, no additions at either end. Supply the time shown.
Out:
11.04
